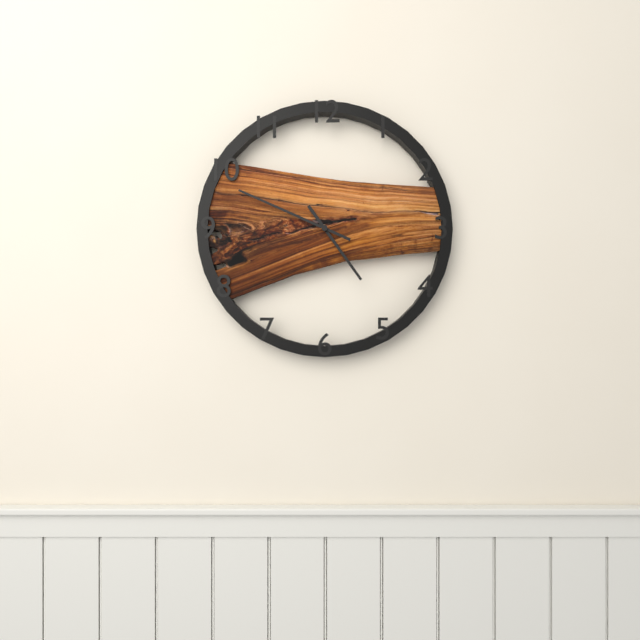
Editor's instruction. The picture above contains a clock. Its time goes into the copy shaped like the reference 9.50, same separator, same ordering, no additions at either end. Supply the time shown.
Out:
4.49
